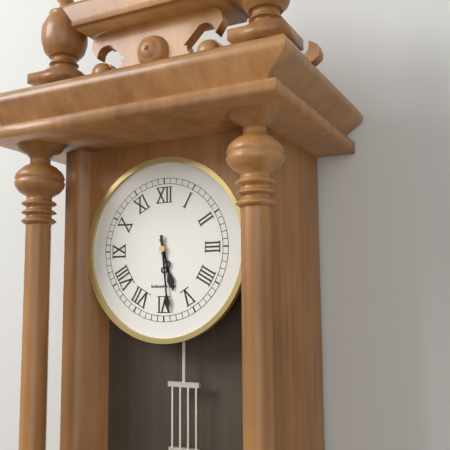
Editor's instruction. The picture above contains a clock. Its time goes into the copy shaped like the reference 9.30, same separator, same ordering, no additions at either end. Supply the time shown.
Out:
5.29
